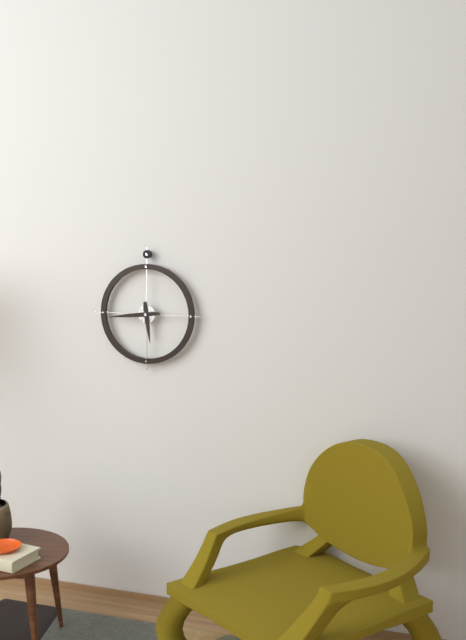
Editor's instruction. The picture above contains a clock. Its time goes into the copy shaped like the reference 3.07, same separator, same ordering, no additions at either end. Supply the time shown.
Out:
5.44
